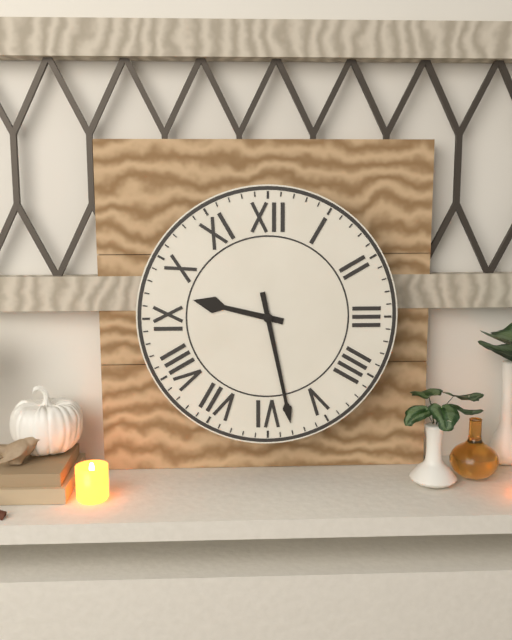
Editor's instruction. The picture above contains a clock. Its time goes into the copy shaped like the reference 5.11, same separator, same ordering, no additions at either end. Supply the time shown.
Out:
9.28
